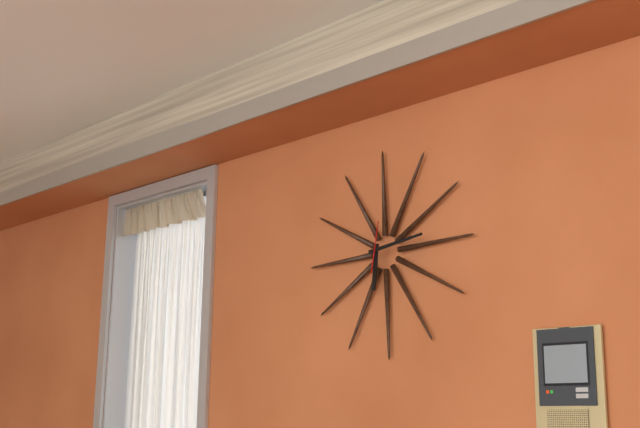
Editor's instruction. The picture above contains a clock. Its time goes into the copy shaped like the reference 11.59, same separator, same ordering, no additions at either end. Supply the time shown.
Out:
6.14
